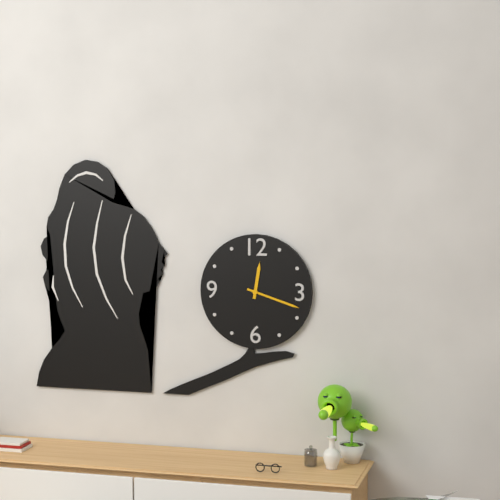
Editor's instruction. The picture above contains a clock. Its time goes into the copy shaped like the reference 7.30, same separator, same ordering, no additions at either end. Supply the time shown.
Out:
12.18
